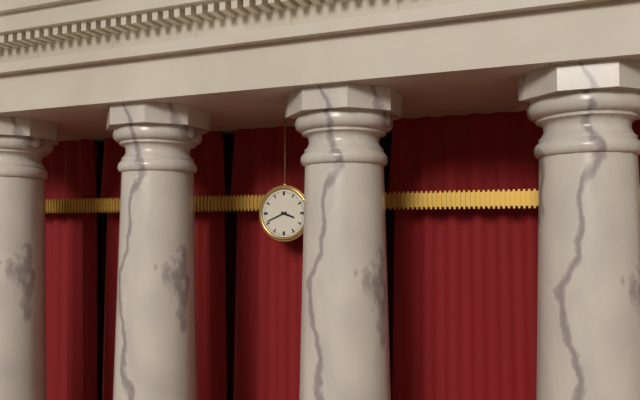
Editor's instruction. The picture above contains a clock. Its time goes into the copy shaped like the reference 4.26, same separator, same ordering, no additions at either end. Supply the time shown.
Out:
3.41
